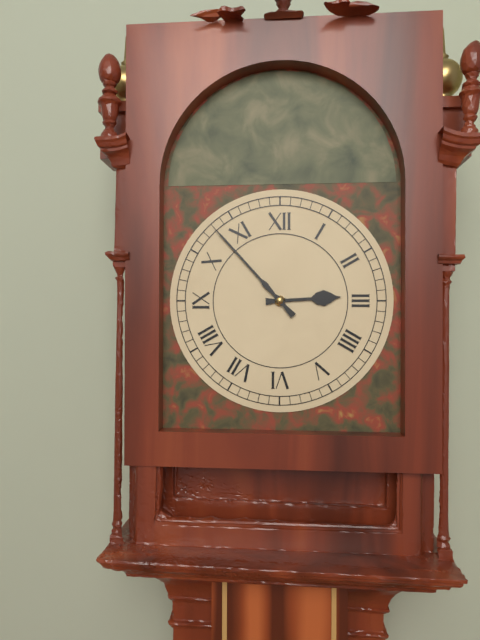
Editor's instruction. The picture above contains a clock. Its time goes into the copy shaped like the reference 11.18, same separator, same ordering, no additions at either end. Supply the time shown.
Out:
2.53
